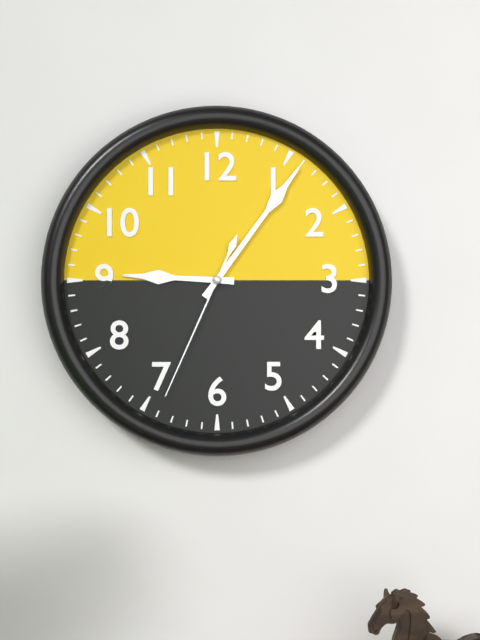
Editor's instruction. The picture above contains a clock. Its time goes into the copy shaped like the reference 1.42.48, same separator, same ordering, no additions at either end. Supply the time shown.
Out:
9.06.34
